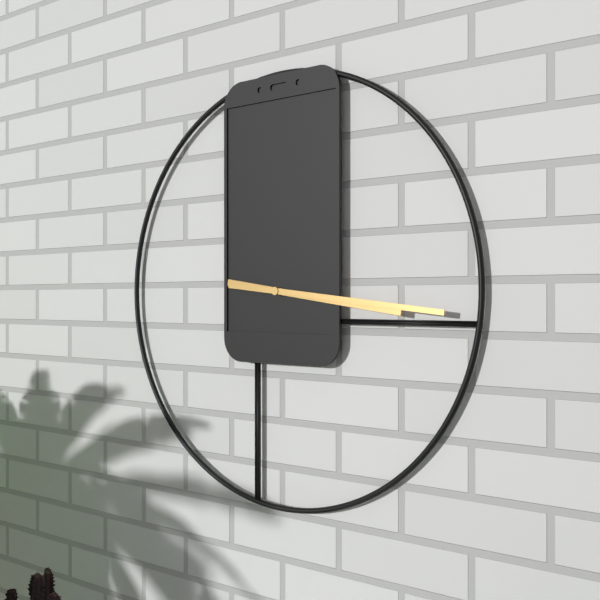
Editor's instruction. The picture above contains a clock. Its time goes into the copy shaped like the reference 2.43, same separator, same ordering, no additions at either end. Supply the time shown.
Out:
3.16
